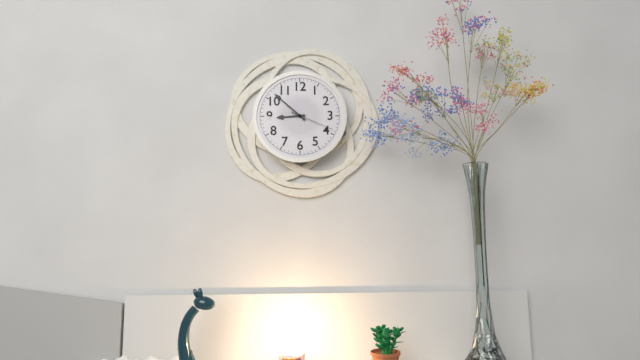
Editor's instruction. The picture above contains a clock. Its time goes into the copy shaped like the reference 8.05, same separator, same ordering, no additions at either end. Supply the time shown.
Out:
8.52
